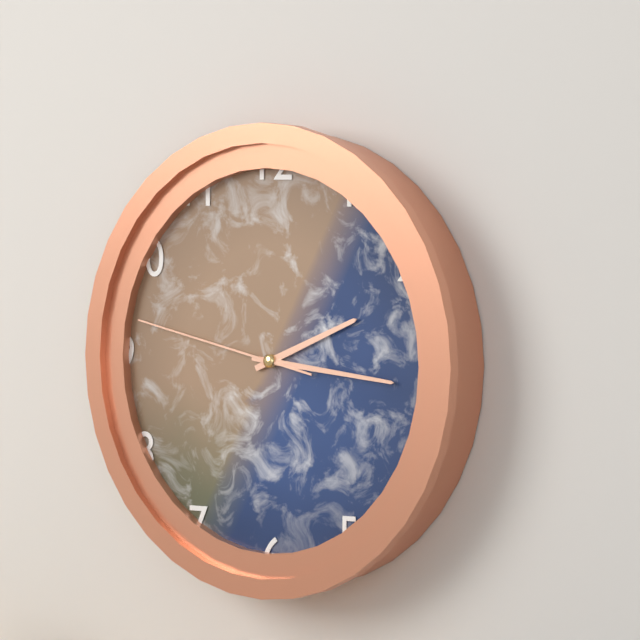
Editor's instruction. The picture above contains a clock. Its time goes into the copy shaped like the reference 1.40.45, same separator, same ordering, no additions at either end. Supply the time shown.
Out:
2.16.47
